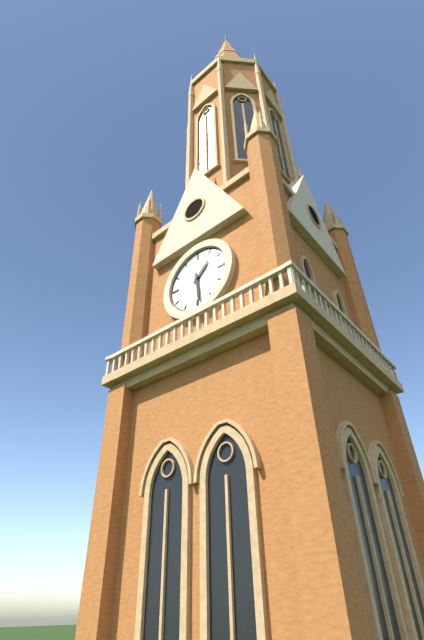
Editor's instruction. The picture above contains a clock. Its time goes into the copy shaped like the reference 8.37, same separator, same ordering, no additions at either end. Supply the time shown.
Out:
1.29
